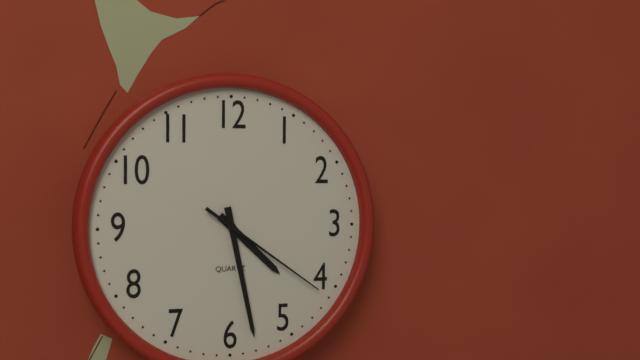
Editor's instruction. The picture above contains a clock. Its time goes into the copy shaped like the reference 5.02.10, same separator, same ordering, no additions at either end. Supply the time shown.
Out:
4.28.21
